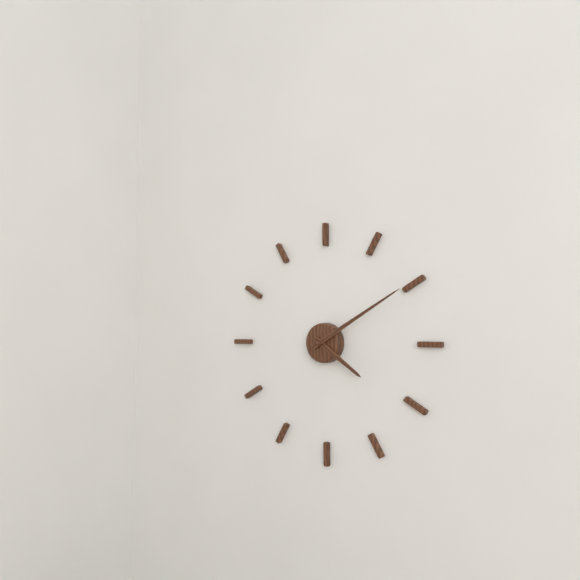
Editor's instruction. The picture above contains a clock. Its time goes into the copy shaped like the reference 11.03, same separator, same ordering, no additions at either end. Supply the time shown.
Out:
4.10
